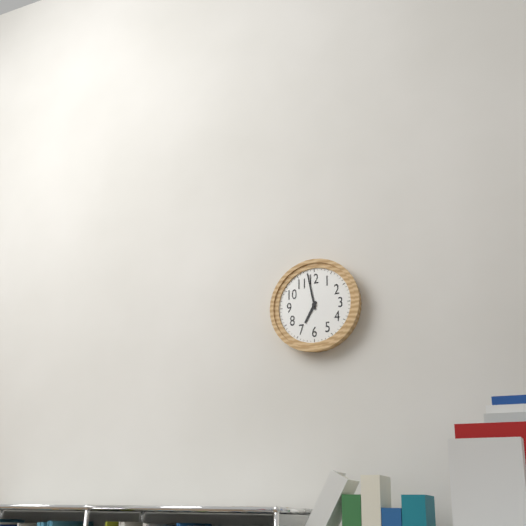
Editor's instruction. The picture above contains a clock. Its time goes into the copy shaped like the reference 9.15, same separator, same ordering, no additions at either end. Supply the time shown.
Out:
6.58
